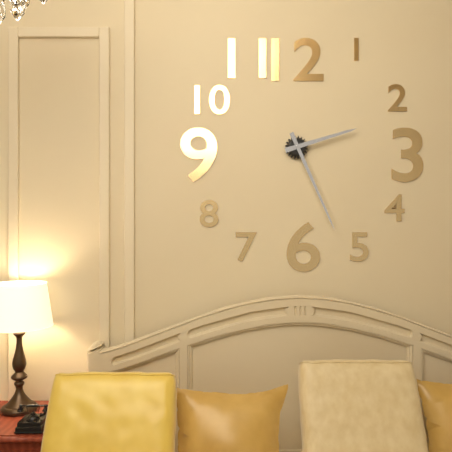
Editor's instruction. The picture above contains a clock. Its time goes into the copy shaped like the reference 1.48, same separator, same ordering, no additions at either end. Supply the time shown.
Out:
2.26
